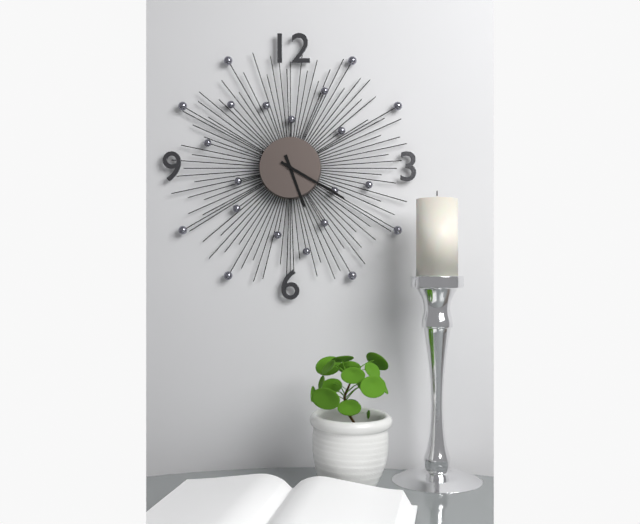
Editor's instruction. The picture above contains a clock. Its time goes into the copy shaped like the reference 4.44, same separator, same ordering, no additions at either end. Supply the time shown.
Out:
5.20
